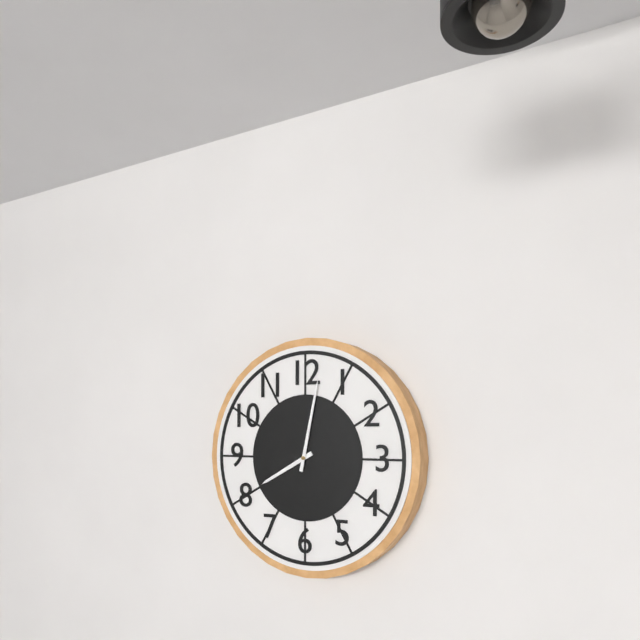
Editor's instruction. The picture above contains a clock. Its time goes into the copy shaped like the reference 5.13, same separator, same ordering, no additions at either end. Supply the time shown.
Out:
8.02
